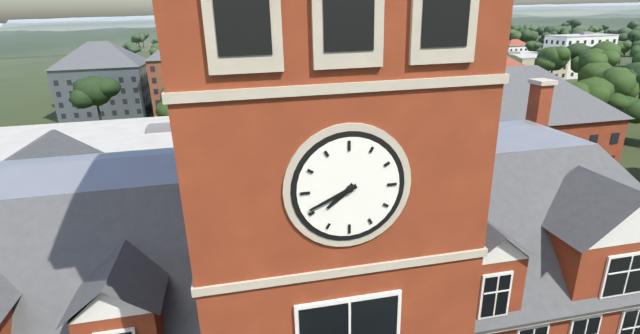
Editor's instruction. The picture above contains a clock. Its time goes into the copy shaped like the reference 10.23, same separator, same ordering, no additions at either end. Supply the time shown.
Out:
7.41
